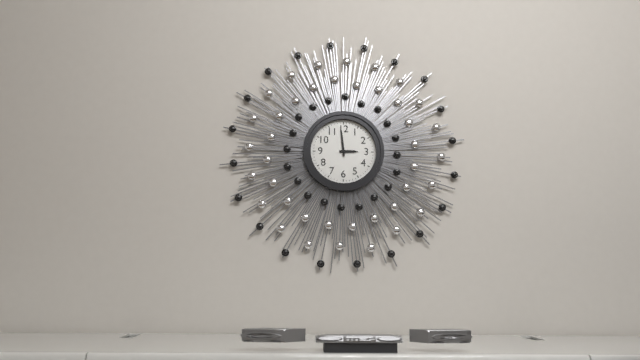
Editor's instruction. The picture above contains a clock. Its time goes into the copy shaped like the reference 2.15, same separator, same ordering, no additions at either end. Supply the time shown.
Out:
2.59
